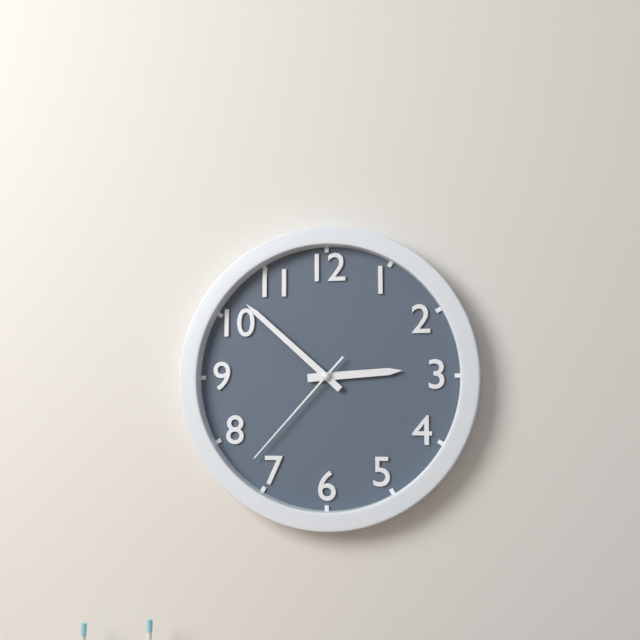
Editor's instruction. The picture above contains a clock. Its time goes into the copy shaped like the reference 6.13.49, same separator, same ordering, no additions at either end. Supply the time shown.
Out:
2.52.37
